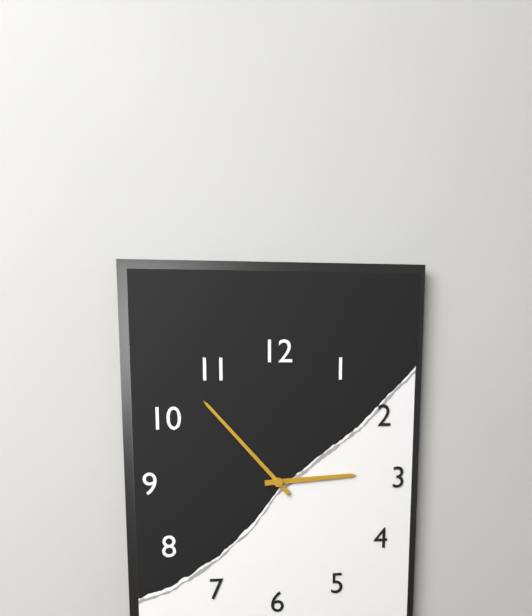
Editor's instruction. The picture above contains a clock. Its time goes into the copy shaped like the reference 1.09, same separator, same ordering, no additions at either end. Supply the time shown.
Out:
2.53
